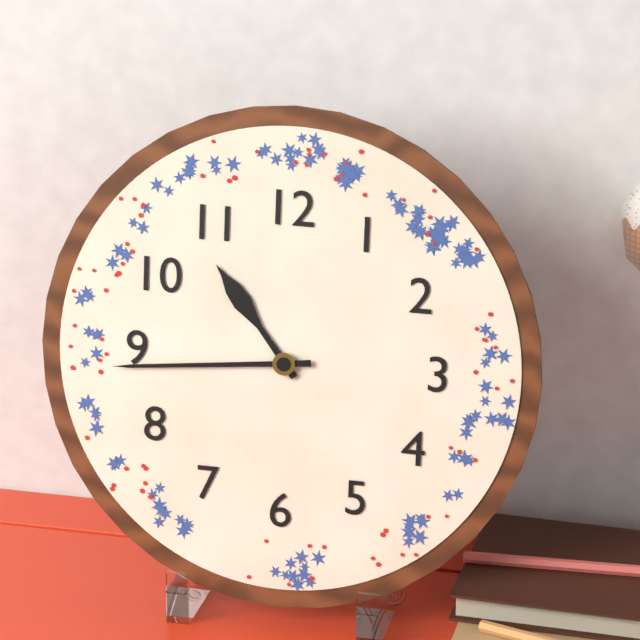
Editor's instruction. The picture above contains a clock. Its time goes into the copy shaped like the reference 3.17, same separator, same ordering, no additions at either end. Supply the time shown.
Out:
10.44
